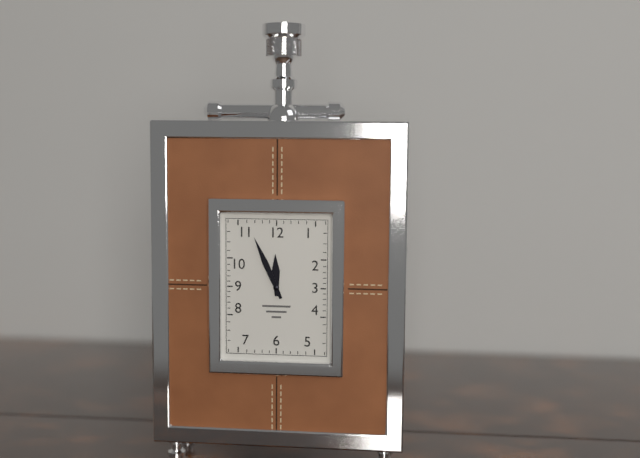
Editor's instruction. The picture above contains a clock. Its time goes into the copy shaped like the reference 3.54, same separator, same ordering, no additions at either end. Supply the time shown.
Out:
11.56
